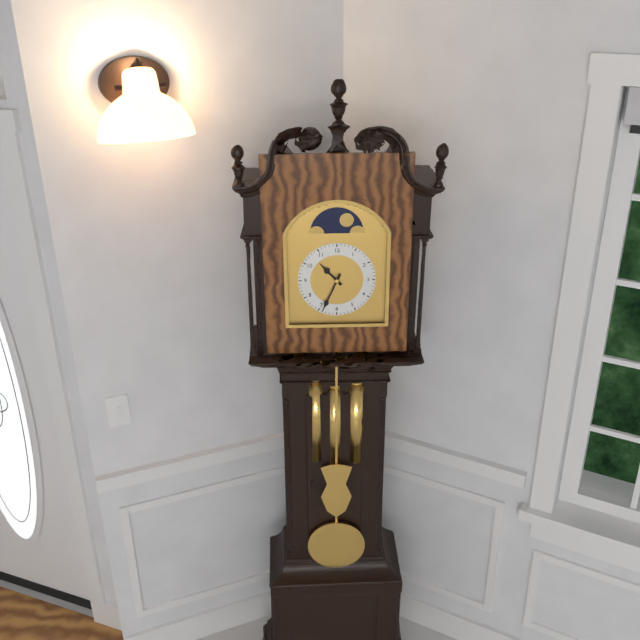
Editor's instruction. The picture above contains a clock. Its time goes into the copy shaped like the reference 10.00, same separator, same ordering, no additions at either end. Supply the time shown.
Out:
10.34
